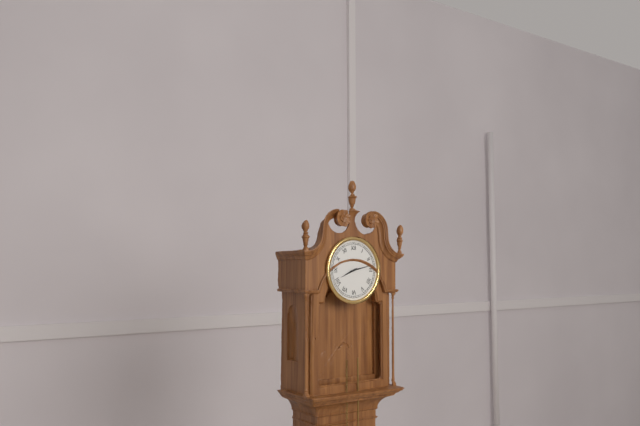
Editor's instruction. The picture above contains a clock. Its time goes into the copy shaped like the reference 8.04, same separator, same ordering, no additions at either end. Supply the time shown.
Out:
8.13
